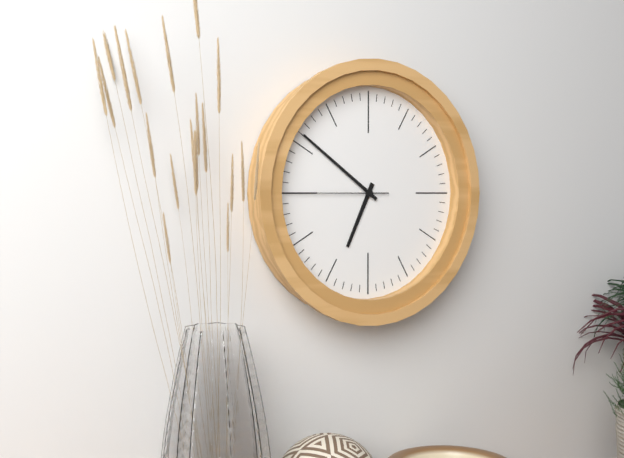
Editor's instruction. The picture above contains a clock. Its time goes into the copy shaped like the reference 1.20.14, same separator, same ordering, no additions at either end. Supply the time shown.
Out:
6.51.45
